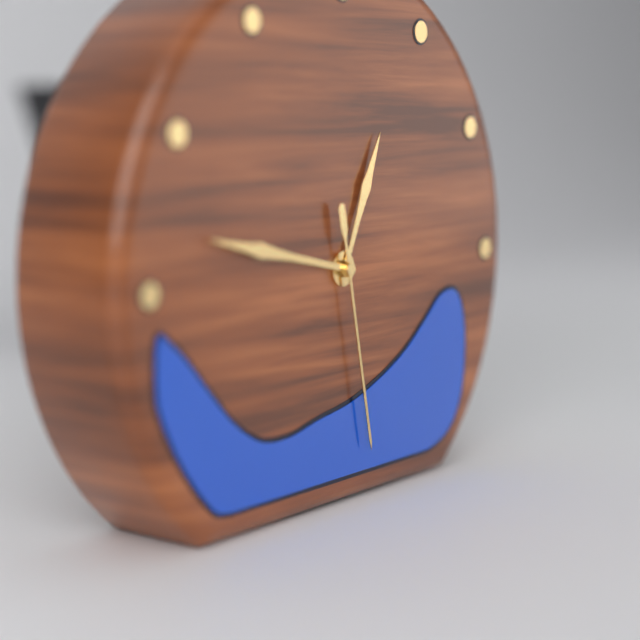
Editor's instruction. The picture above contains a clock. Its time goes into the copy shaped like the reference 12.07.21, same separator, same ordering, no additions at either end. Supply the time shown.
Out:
12.47.28
